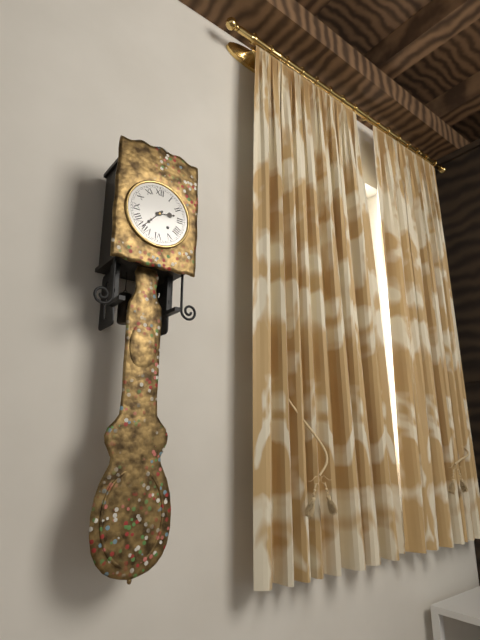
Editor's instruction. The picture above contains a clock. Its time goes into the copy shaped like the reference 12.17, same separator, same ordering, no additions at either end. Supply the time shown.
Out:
2.37
